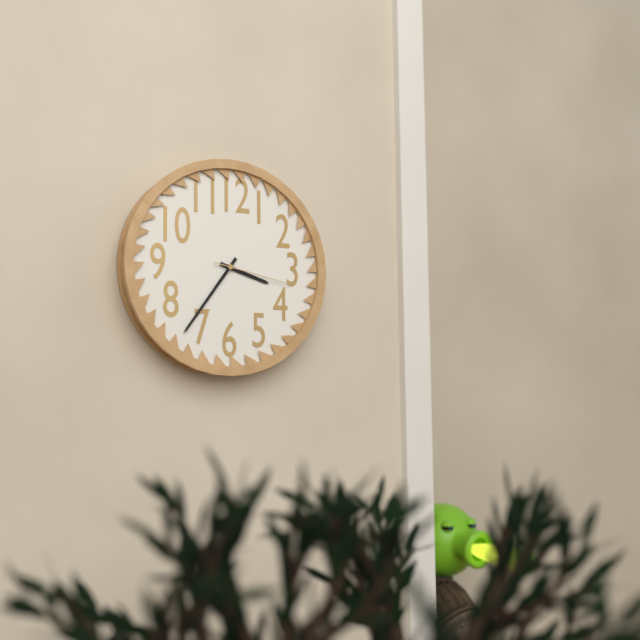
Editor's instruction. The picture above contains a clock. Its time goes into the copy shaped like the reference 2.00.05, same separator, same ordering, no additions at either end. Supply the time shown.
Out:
3.36.17
